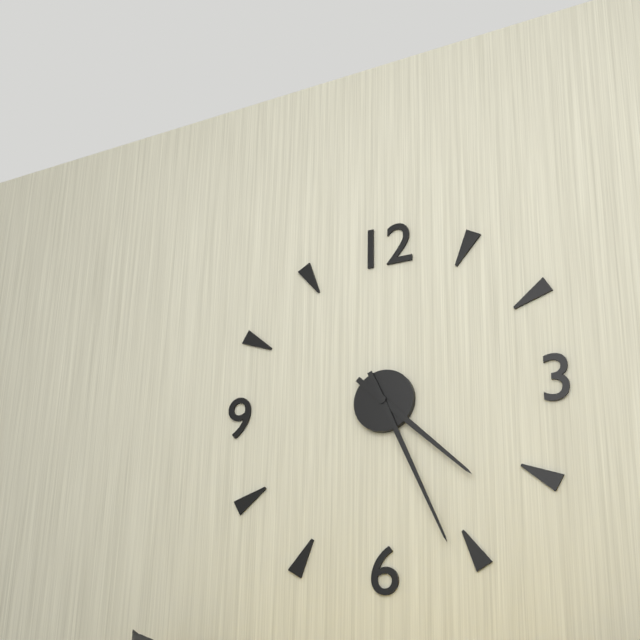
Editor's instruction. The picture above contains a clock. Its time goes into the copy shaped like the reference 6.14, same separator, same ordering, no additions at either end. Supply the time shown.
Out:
4.26
